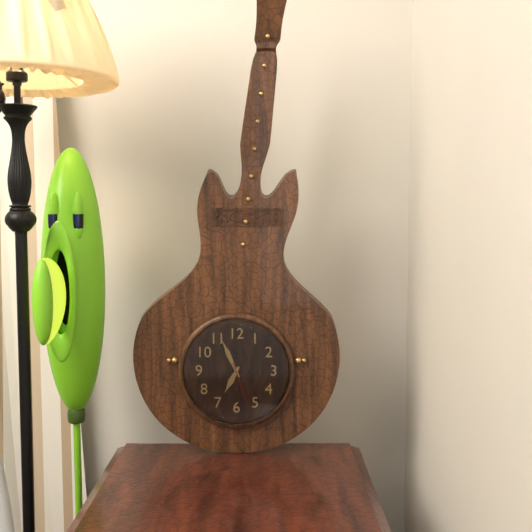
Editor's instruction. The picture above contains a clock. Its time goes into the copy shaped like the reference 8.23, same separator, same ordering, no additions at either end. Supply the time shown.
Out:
6.56
